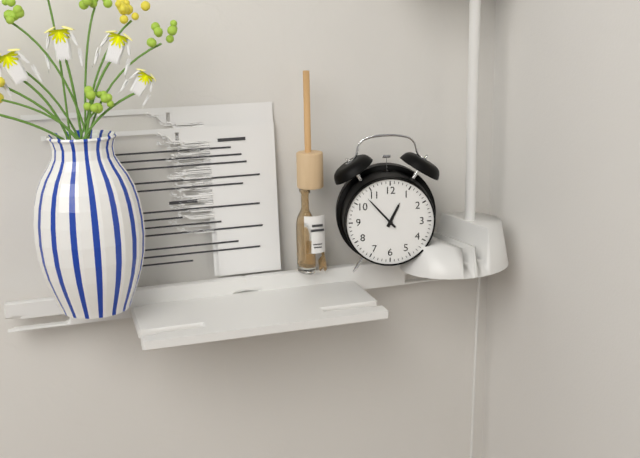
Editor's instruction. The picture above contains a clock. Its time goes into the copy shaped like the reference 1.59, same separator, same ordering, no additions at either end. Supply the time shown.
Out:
12.53
